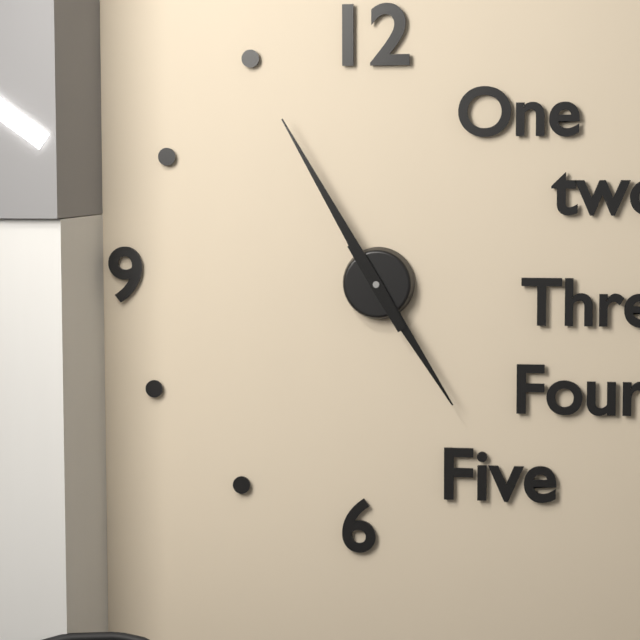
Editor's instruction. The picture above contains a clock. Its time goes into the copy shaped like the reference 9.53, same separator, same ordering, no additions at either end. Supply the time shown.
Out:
4.55
